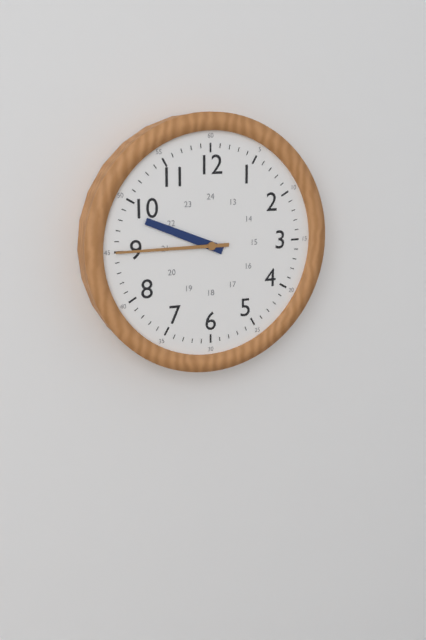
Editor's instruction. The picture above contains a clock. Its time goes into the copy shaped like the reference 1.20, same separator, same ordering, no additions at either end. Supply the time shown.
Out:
9.45
